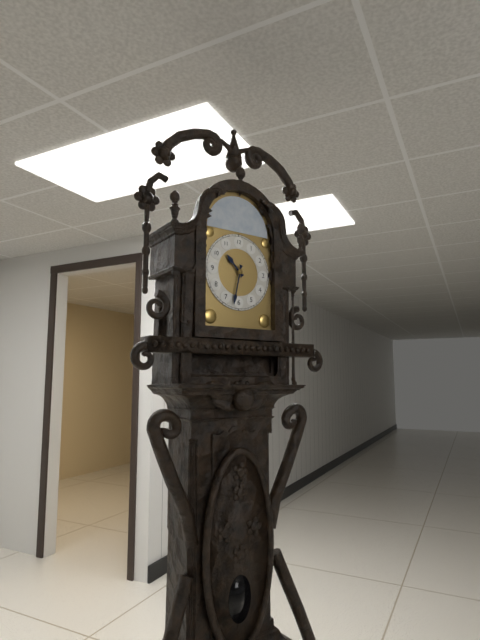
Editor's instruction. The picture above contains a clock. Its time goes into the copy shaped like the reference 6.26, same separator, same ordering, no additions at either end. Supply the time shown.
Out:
10.32
